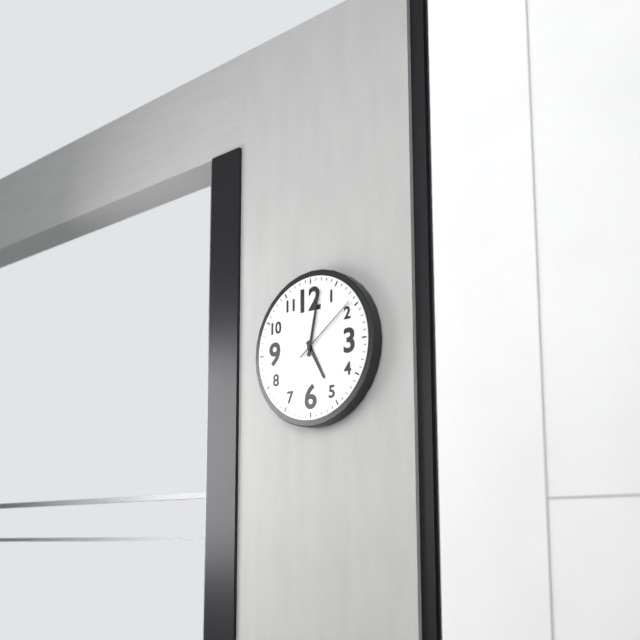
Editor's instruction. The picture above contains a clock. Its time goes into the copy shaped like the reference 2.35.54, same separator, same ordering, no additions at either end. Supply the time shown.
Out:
5.02.09
